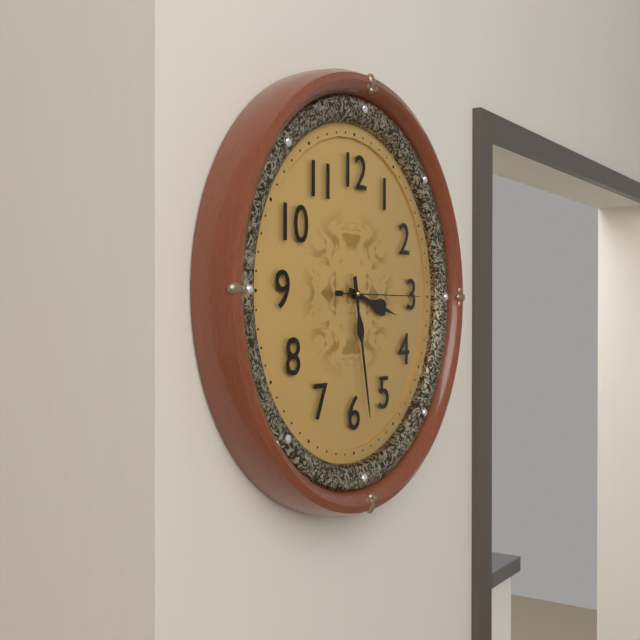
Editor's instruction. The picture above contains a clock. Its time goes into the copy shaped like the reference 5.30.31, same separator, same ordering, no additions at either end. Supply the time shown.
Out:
3.28.15
